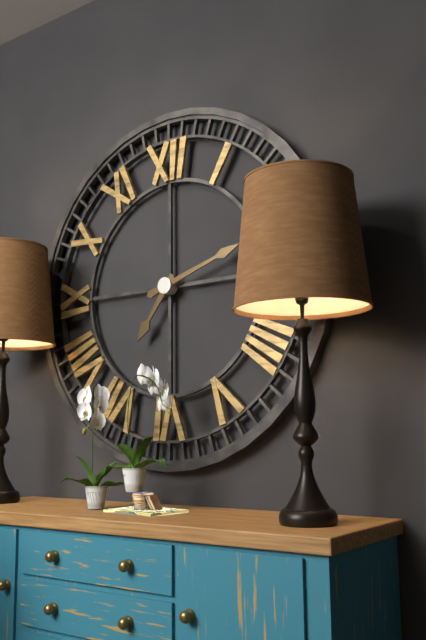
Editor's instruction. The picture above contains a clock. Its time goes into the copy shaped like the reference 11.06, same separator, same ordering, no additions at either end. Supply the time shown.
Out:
7.12
